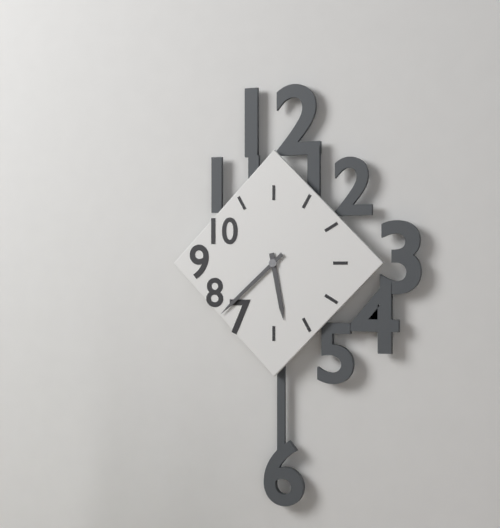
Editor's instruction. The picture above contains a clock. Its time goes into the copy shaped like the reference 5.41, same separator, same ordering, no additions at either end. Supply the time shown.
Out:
5.38
